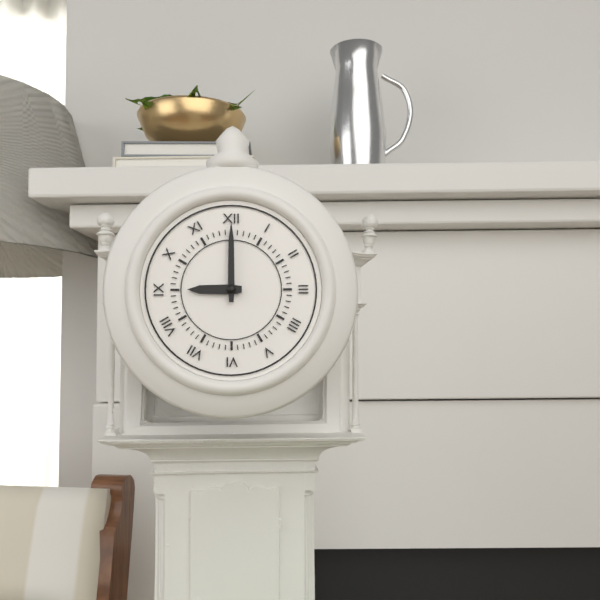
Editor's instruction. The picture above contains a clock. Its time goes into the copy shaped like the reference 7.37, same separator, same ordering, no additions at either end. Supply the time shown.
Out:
9.00
